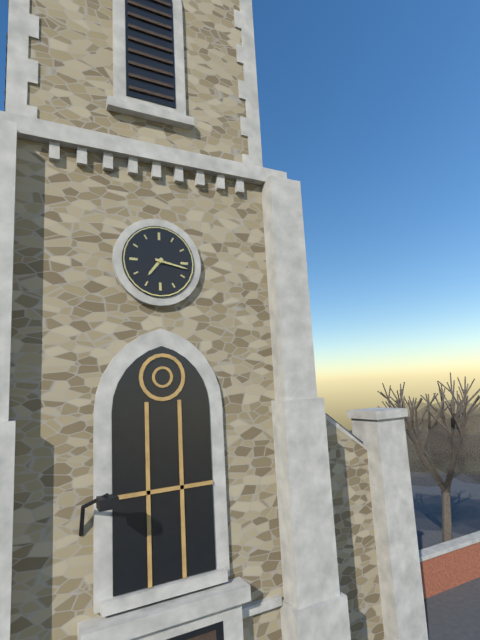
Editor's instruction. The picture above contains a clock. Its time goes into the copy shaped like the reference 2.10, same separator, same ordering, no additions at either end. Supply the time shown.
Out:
7.17
